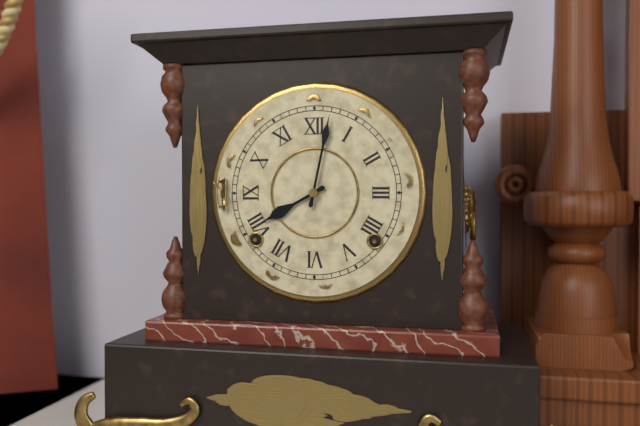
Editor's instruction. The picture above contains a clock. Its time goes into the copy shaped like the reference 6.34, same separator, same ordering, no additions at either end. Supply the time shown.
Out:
8.02
